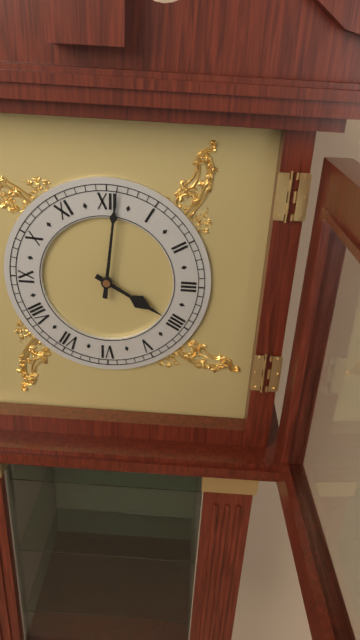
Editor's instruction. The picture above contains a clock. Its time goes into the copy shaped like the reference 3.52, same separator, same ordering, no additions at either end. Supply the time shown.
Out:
4.01
